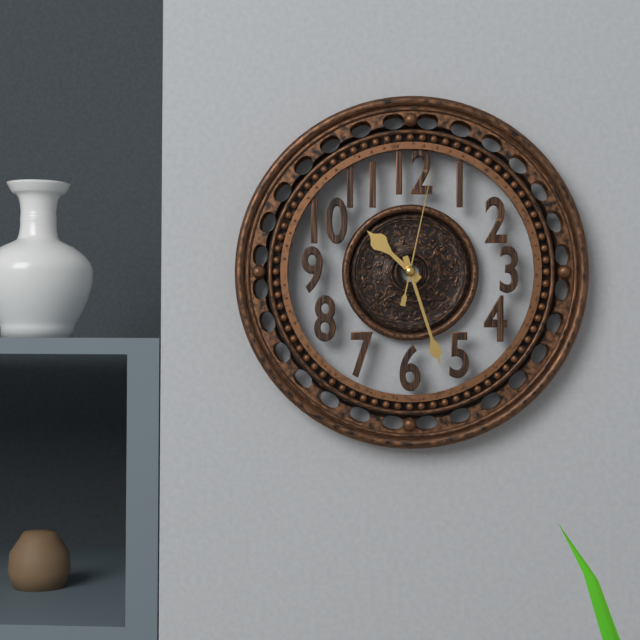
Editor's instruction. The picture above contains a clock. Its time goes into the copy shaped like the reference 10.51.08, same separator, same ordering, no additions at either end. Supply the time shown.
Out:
10.27.02
